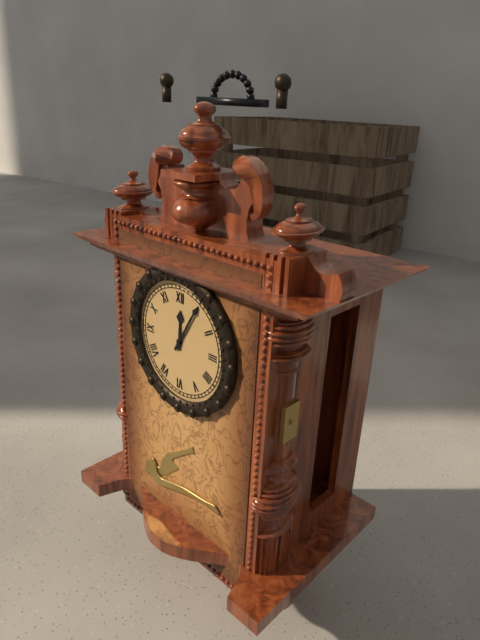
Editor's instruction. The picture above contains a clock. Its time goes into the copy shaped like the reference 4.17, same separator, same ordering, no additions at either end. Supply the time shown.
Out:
12.05
